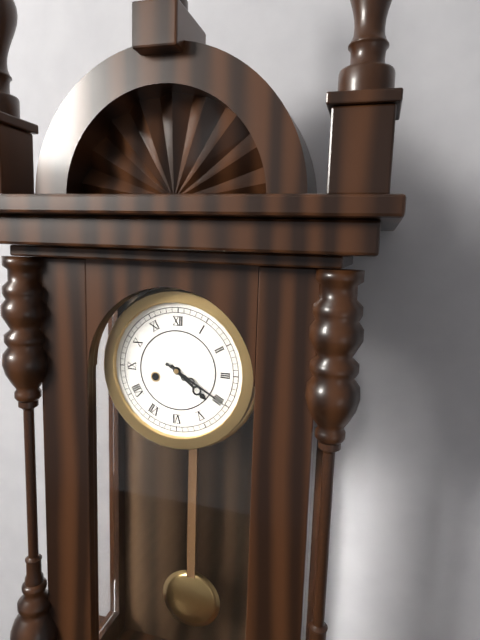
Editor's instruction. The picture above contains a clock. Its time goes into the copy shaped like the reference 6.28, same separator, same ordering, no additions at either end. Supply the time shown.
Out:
4.20
